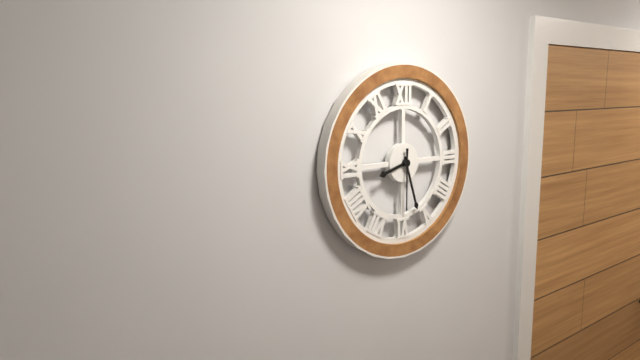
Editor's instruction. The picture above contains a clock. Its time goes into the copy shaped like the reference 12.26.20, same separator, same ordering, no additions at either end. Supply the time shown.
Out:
8.27.30
